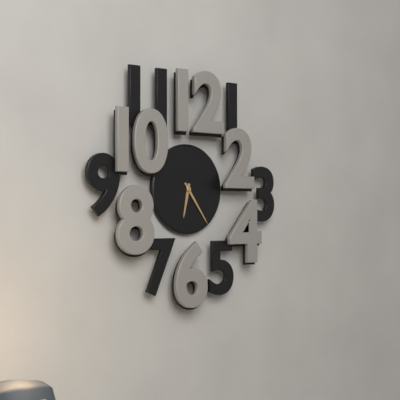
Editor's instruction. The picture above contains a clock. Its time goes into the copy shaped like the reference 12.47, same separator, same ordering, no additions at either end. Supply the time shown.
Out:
6.24
